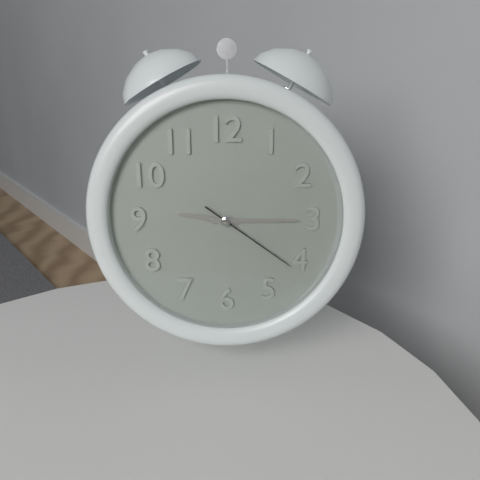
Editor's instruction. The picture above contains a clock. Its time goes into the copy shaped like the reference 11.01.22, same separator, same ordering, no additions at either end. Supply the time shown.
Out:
9.15.21
